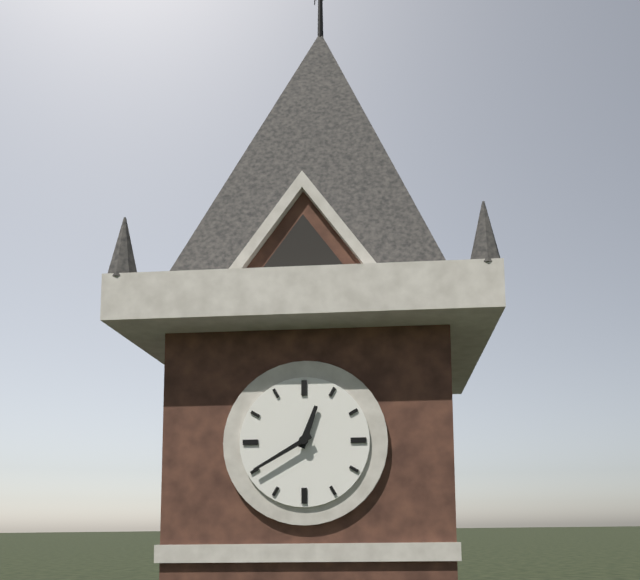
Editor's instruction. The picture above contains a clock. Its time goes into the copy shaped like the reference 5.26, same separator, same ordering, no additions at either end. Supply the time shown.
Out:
12.40
